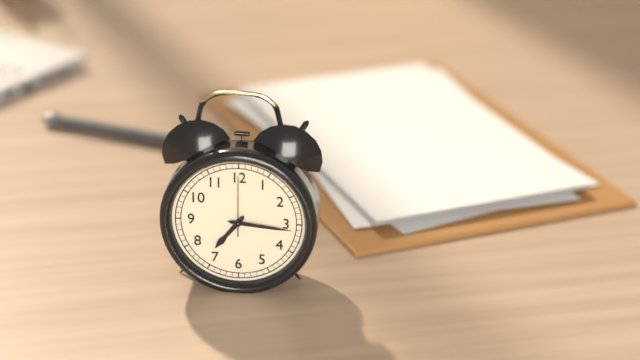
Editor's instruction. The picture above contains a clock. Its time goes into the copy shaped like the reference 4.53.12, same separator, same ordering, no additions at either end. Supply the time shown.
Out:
7.16.00
